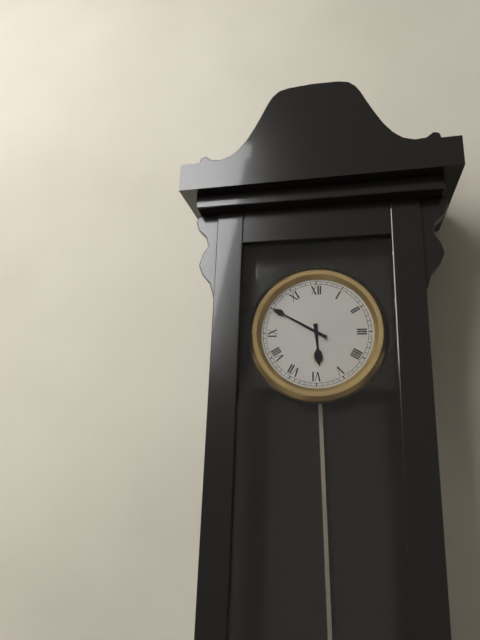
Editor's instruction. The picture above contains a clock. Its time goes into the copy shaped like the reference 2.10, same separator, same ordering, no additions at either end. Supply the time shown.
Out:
5.50
